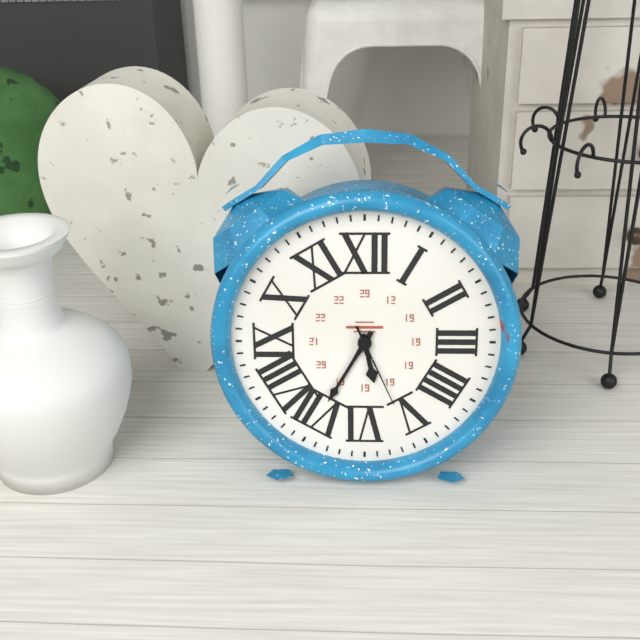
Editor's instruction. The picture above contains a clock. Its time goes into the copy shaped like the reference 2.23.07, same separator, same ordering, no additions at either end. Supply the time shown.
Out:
5.35.26
